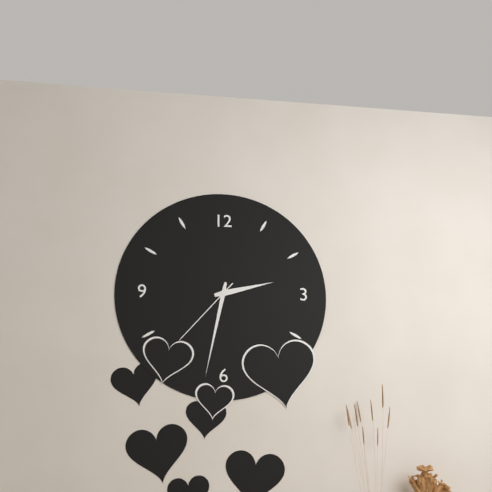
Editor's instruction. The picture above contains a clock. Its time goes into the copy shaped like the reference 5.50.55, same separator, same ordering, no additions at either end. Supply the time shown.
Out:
2.32.37
